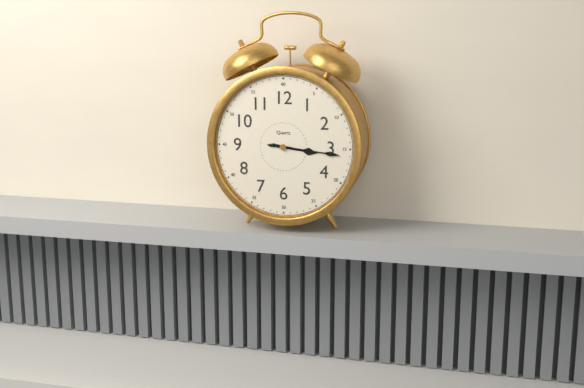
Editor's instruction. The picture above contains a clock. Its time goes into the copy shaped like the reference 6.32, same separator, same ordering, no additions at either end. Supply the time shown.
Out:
3.16
